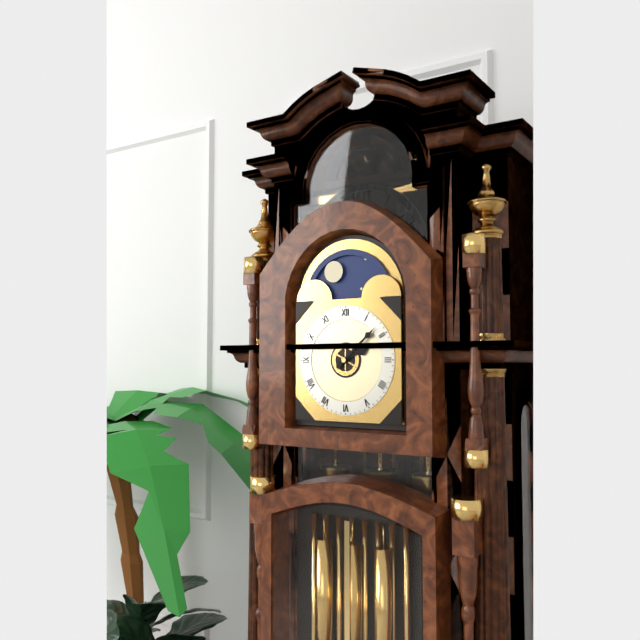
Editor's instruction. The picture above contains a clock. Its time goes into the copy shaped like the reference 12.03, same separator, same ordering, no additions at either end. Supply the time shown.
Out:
2.08
